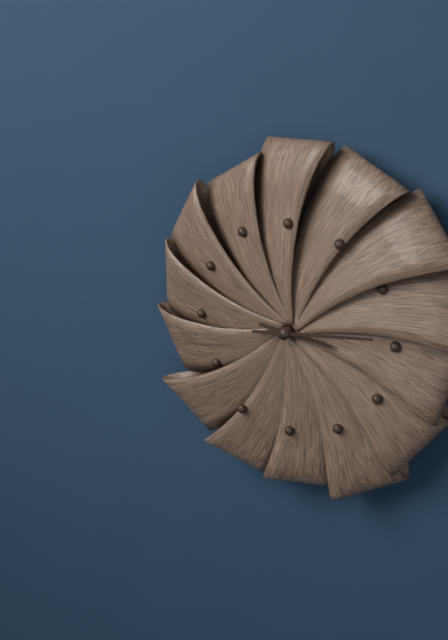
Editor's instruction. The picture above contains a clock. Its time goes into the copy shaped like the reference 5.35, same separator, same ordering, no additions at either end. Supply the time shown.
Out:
3.14
